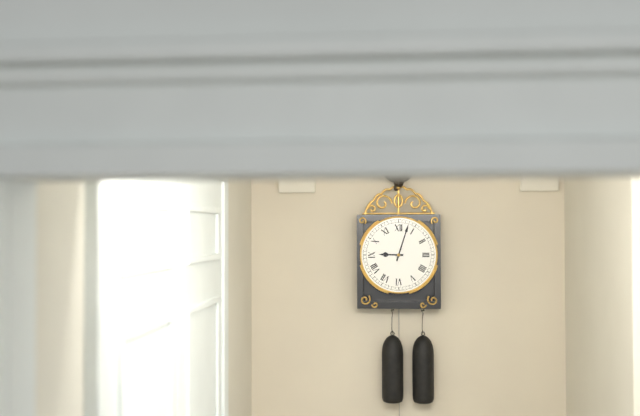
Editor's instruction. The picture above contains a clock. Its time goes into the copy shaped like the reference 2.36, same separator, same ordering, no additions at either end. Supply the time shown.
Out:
9.03
